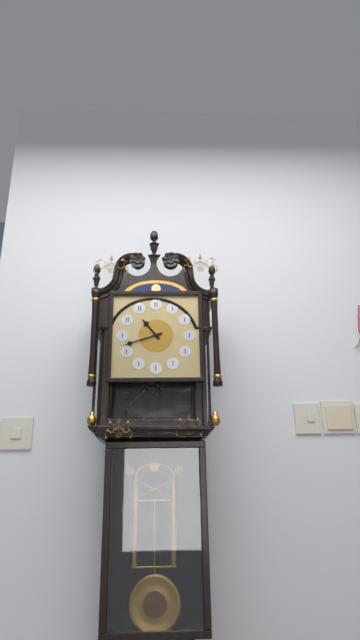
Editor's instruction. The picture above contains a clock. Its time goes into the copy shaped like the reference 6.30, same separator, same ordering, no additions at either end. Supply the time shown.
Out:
10.42
